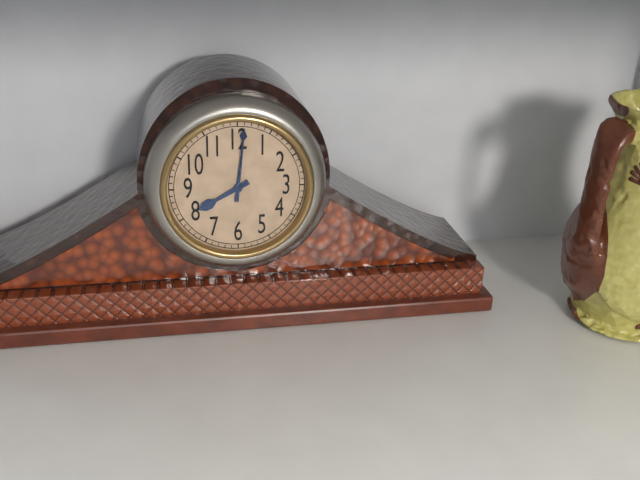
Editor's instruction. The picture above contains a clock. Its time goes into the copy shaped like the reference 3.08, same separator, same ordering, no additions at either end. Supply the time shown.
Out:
8.01
